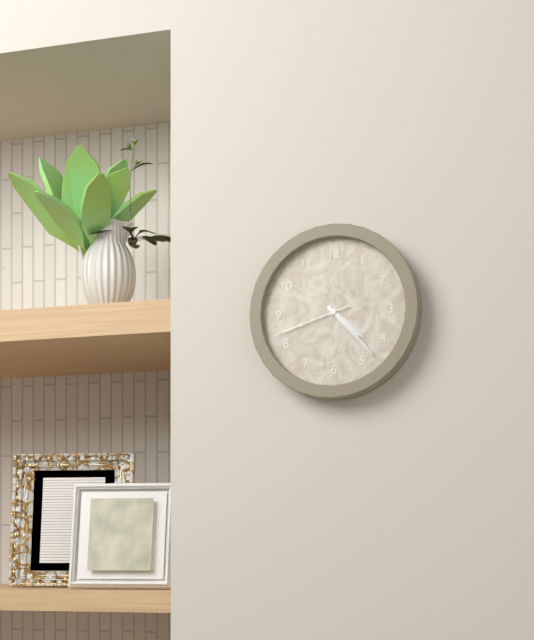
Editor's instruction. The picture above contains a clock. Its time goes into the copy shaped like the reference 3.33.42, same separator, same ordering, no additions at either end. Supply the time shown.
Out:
4.23.42
